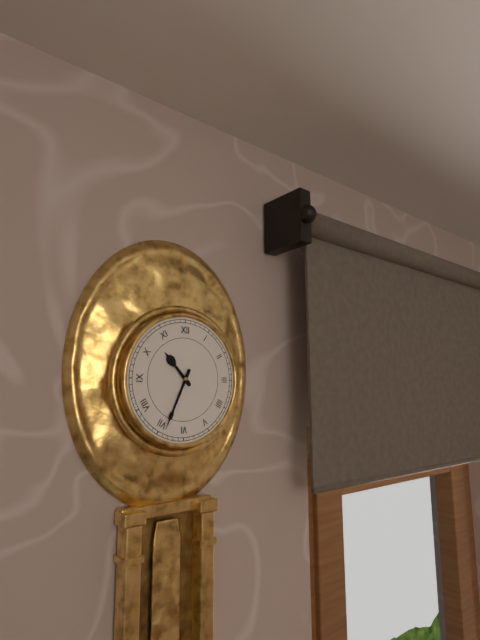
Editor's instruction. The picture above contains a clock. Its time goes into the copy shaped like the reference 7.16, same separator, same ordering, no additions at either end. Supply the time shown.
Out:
10.34
